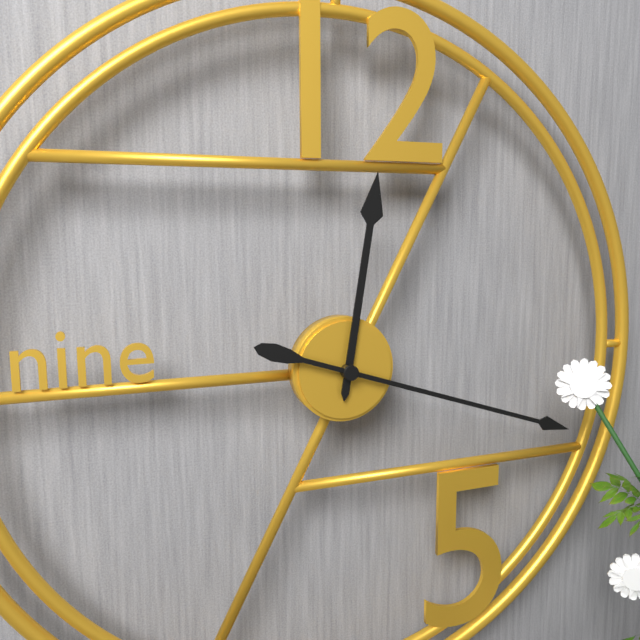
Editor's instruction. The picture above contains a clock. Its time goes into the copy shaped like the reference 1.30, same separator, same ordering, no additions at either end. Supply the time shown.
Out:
12.18
